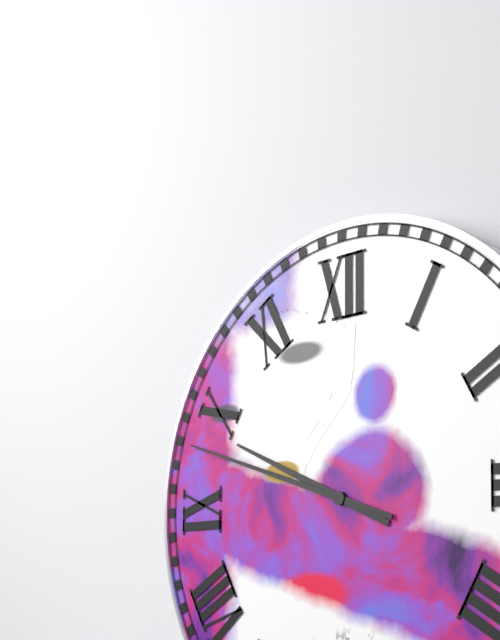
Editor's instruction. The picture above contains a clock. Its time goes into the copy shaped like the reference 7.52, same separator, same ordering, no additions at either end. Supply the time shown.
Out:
9.48
